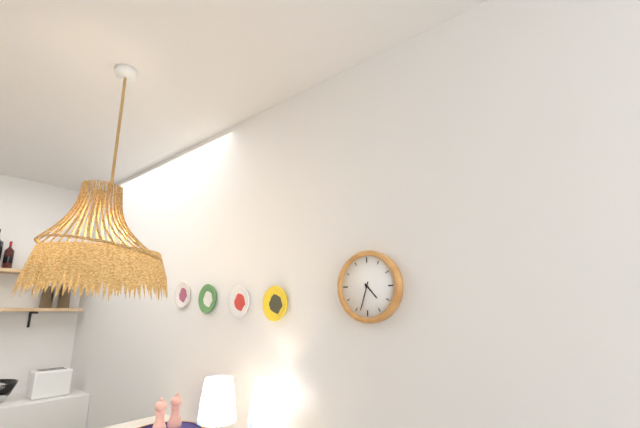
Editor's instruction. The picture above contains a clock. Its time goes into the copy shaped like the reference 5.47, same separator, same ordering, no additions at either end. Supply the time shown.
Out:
4.33
